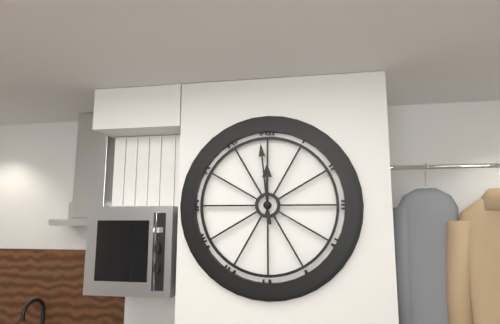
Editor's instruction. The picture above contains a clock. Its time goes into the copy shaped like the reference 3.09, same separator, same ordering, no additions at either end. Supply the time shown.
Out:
11.59
